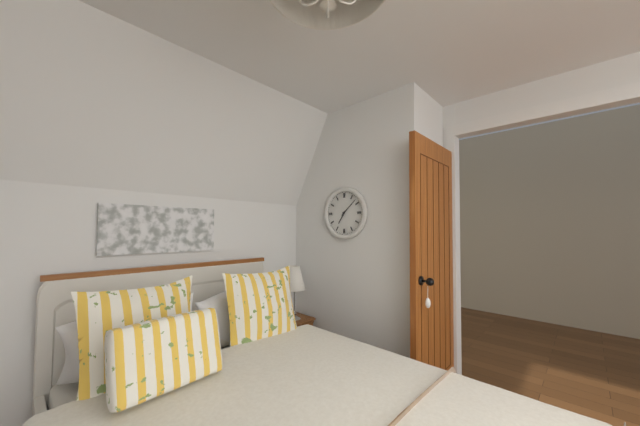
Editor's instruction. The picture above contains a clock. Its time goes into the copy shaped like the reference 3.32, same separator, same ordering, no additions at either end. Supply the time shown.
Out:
7.08
